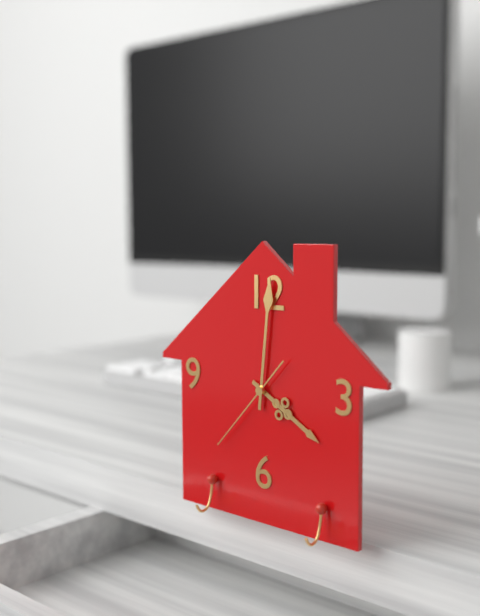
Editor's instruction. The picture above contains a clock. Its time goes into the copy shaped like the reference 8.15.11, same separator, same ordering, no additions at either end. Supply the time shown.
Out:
4.01.37
